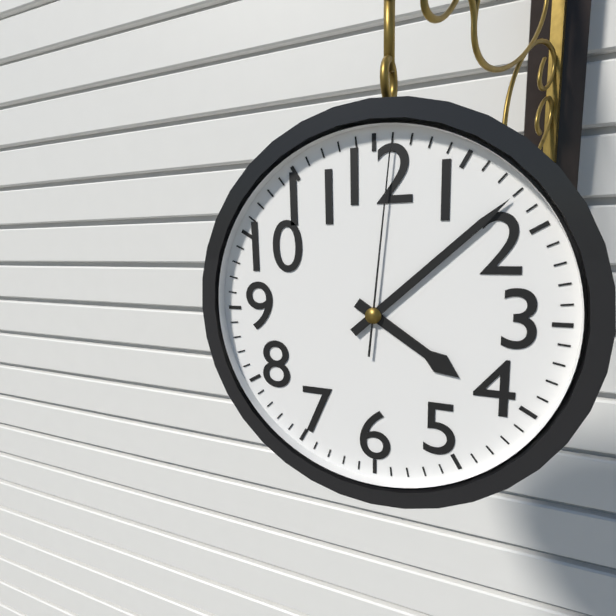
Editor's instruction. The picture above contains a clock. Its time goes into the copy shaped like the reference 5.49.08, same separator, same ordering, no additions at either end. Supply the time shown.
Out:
4.08.01
